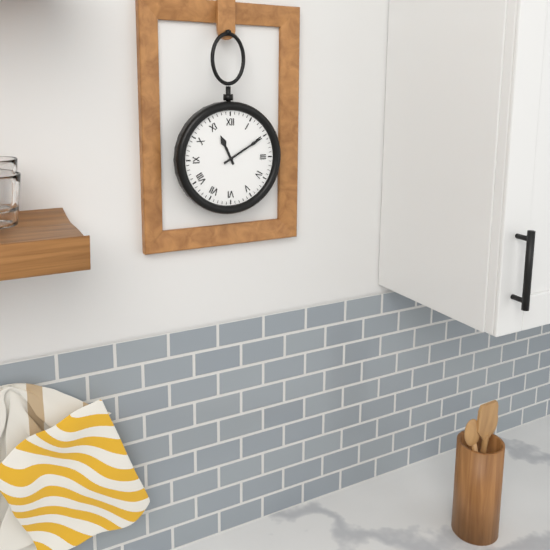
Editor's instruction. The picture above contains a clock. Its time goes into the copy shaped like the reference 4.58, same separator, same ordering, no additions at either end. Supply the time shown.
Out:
11.10
